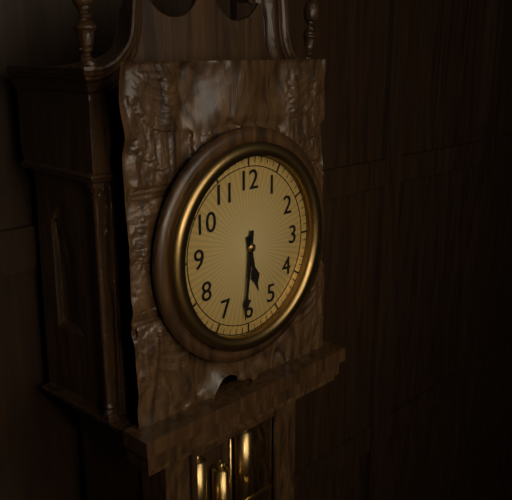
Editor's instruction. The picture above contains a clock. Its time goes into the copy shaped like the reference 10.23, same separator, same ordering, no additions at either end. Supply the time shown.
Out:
5.31
